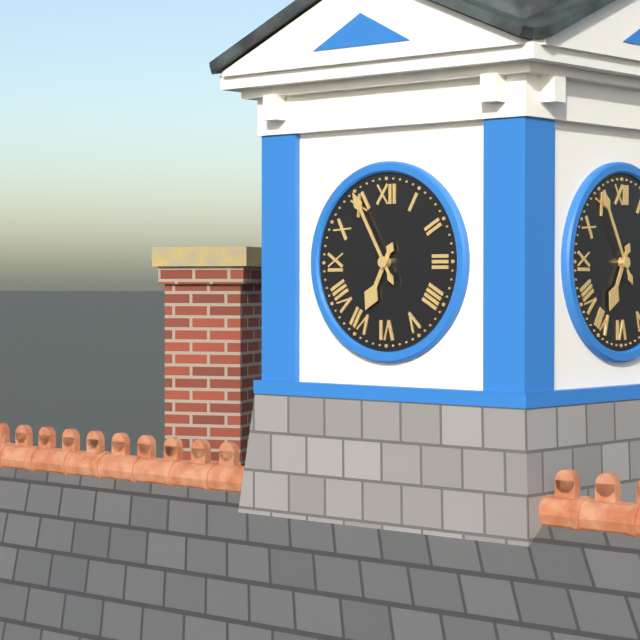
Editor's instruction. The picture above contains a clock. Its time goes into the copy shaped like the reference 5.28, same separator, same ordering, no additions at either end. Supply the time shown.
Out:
6.55
